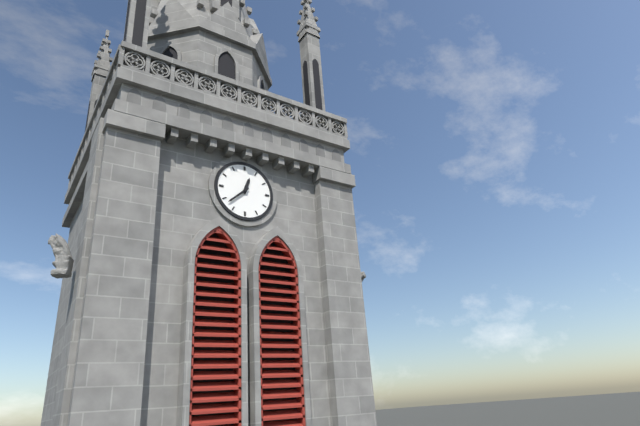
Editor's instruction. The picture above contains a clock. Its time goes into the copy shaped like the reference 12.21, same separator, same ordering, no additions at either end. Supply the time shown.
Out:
12.38
